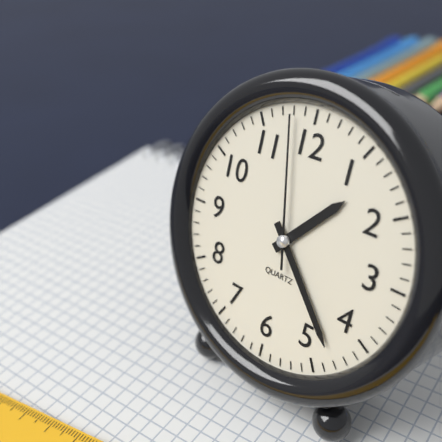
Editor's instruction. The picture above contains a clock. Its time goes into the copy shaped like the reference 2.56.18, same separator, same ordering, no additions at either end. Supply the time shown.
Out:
1.23.58
